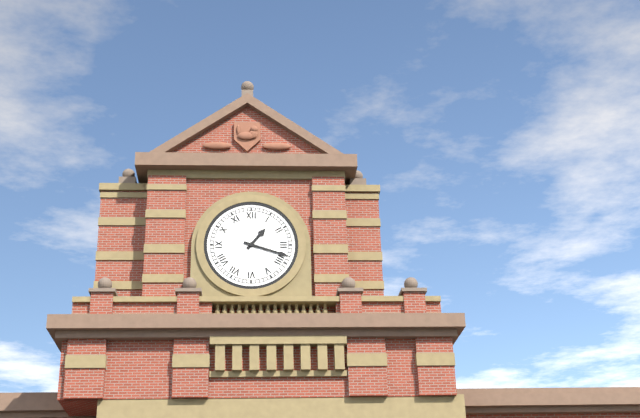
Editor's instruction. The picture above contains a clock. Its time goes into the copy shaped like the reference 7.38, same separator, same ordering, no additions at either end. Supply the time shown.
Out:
1.18
